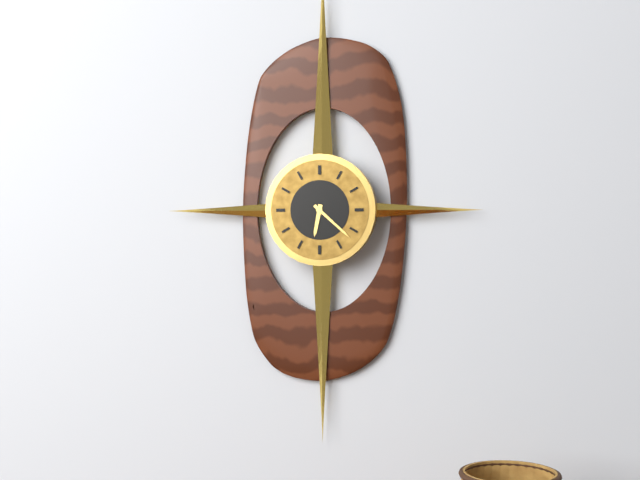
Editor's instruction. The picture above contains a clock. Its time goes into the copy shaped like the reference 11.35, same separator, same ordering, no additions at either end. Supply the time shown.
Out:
6.22
